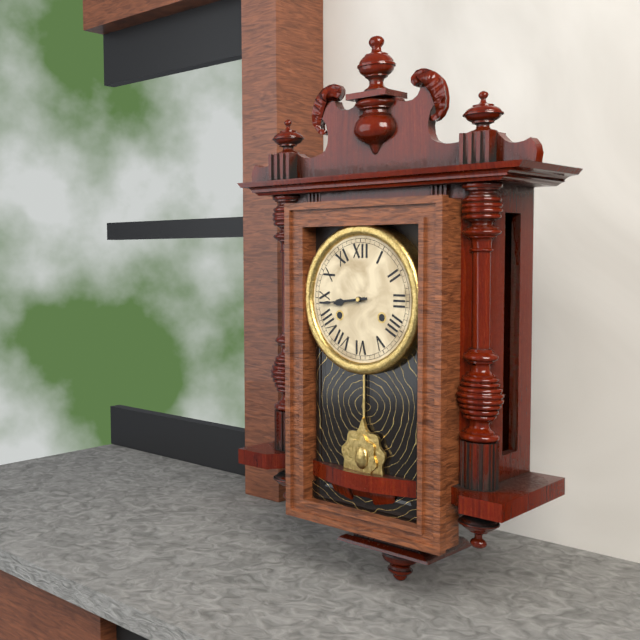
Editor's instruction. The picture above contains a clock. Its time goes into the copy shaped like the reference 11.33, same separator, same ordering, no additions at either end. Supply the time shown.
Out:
8.44
